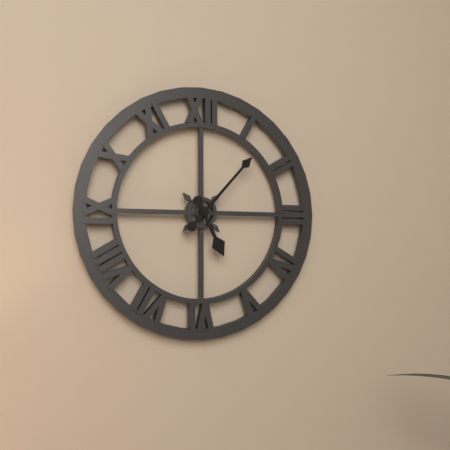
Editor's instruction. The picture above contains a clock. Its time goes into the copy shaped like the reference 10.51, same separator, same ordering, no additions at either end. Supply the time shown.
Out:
5.07
